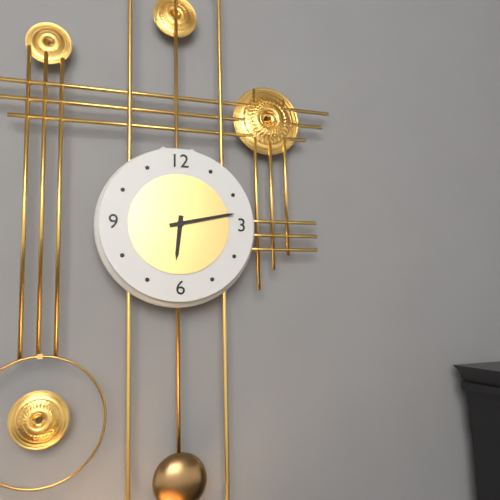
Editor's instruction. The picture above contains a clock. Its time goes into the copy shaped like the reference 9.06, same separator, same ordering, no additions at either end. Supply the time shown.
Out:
6.13
